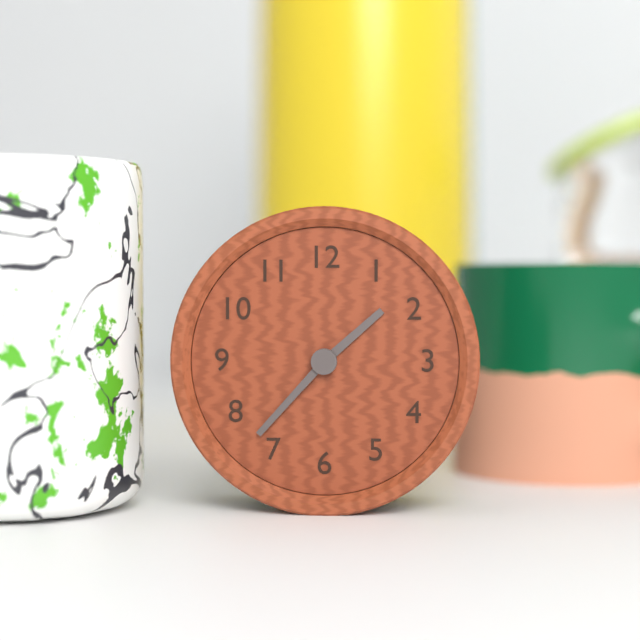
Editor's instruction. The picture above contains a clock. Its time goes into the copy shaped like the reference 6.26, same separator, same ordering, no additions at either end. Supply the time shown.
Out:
1.37
